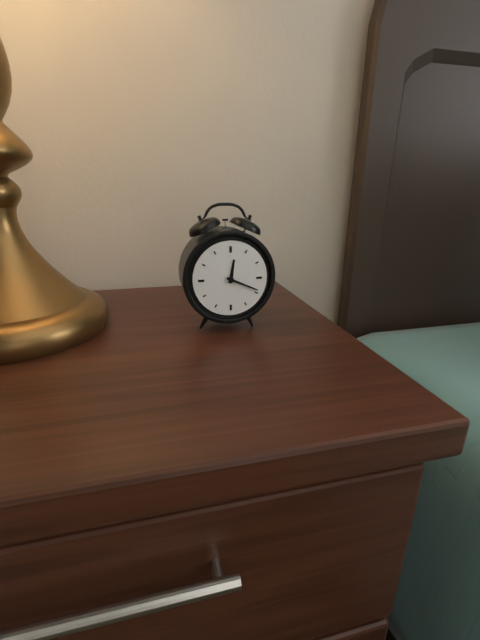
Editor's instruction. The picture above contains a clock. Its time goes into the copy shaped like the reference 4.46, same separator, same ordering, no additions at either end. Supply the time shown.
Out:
12.19
